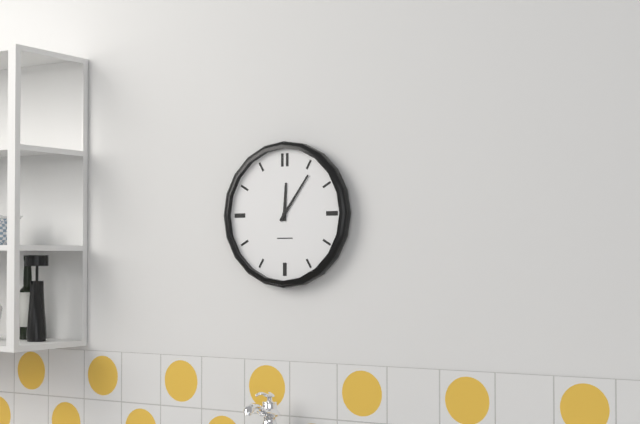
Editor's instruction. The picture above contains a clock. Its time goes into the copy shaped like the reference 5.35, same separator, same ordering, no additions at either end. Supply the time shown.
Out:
12.06
